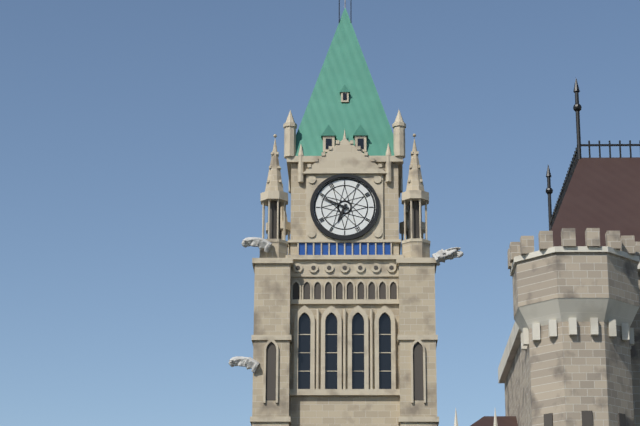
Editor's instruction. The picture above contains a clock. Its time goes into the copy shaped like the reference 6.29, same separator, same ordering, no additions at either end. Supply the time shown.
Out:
6.49
